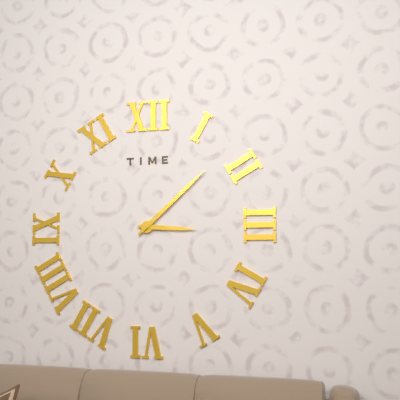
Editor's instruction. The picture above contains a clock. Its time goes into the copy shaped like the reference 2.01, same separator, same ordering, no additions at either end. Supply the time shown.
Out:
3.08
